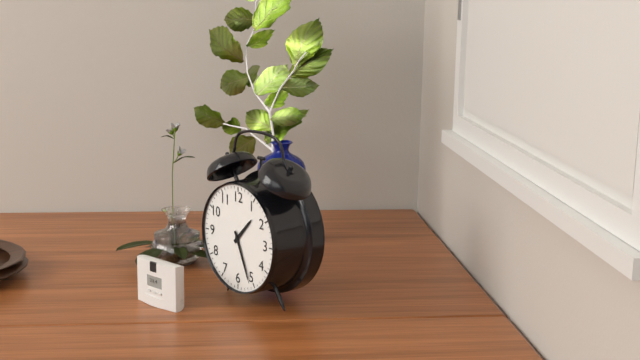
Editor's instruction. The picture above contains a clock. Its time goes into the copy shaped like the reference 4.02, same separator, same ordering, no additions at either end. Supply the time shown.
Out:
1.26
